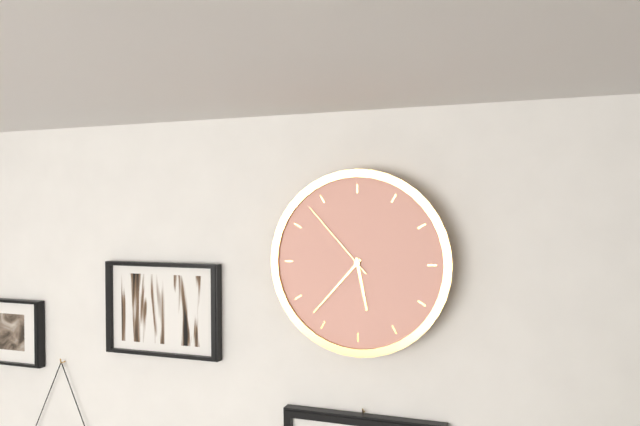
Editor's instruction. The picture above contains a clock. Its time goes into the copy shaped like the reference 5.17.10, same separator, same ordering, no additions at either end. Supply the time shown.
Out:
5.37.53
